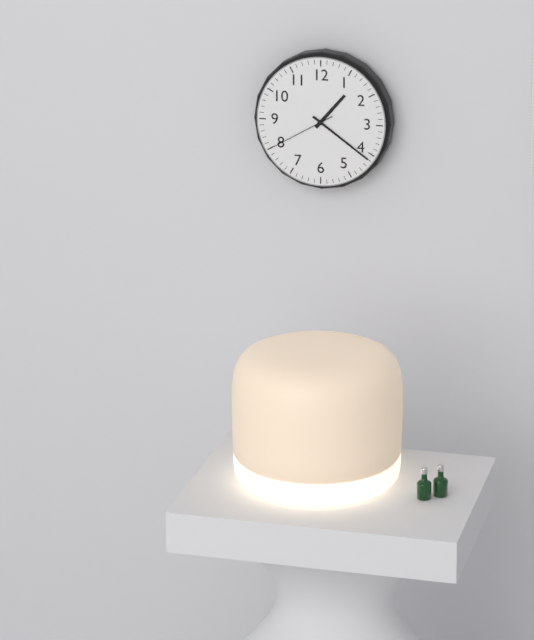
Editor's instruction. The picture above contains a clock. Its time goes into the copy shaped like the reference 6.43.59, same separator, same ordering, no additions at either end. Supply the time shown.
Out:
1.21.40
